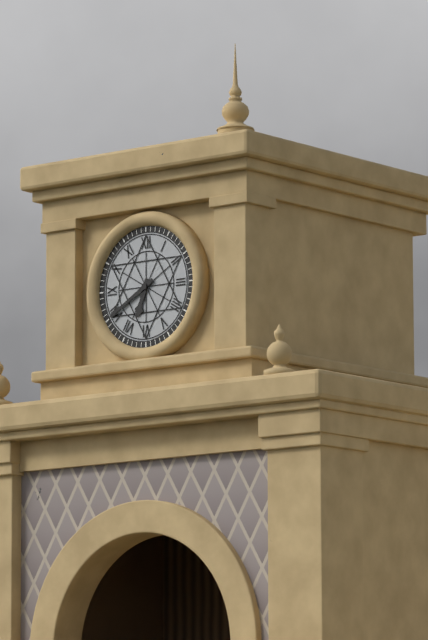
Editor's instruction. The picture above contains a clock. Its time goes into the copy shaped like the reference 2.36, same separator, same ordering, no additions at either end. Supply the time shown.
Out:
6.40
